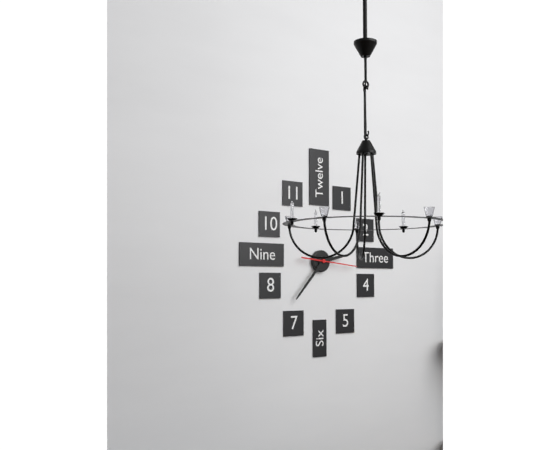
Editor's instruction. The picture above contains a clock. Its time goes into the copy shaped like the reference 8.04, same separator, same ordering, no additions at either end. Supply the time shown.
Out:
2.37
